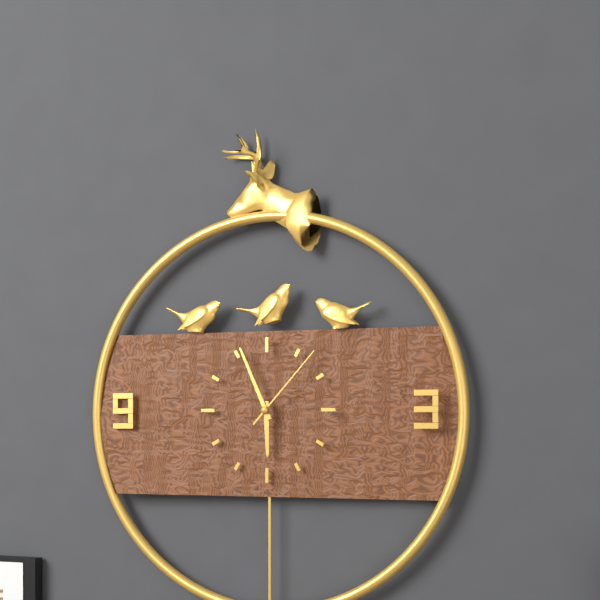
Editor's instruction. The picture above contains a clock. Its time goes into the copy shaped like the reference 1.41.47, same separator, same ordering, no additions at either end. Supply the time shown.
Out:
5.56.07
